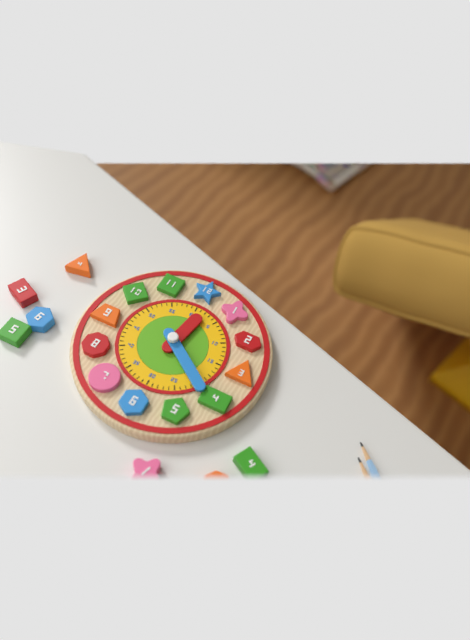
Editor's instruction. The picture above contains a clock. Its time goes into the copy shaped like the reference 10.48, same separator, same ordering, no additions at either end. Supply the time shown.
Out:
12.21
